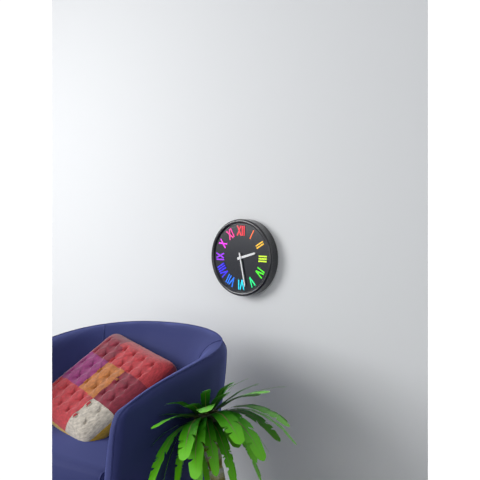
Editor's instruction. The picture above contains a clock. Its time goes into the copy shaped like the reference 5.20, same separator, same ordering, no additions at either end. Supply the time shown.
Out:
2.28
